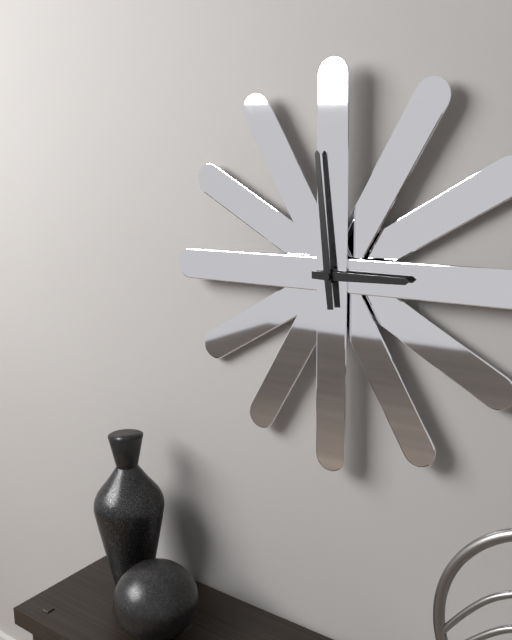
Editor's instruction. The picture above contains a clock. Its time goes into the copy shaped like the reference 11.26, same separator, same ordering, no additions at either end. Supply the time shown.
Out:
2.59
